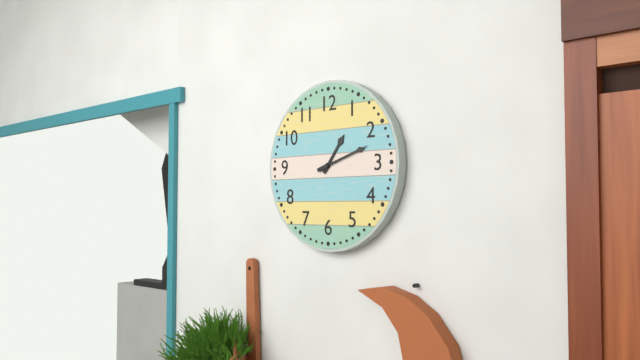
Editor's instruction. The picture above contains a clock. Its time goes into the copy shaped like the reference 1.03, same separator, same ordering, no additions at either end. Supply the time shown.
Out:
1.12
